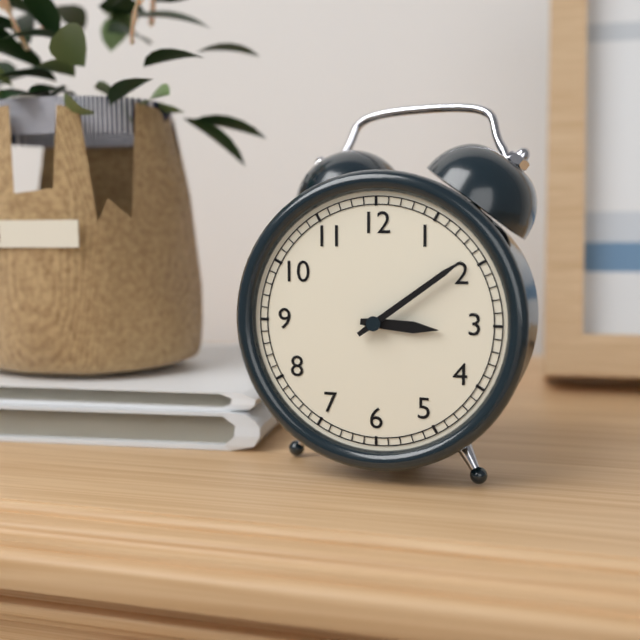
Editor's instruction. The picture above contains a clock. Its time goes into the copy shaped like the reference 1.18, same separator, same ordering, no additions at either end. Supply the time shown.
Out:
3.09
